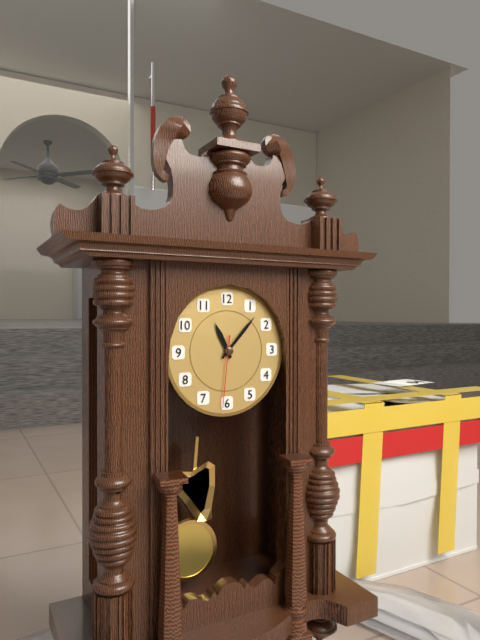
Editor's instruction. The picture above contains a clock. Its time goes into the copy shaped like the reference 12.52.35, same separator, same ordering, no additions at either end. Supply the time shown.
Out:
11.07.31
